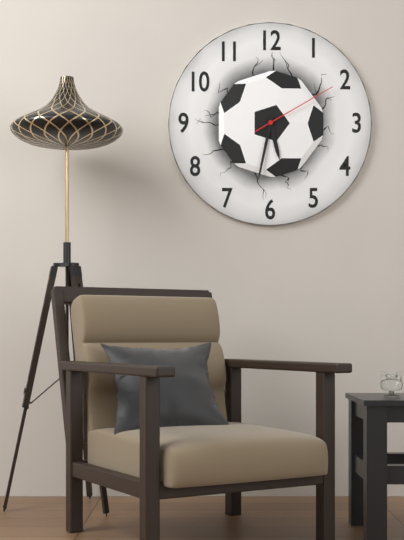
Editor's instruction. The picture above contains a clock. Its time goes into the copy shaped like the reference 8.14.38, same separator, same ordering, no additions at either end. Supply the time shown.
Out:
5.32.10
